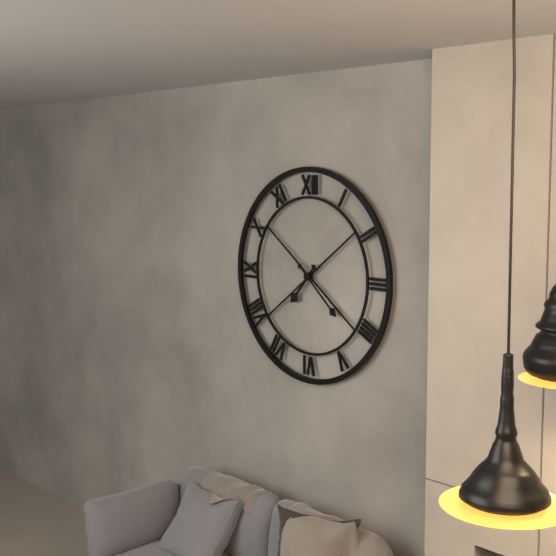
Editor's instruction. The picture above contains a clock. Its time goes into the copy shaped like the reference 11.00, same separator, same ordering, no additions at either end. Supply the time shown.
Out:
7.22
